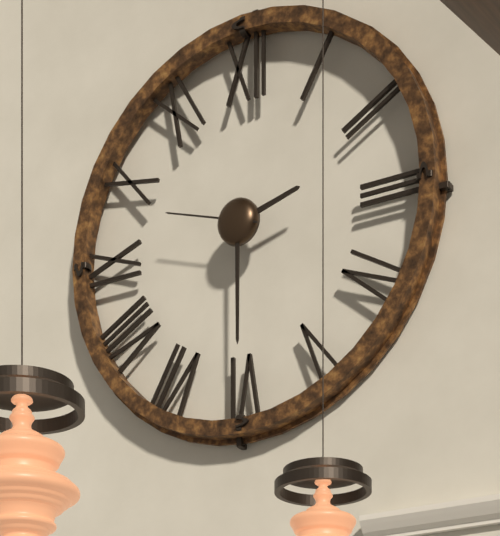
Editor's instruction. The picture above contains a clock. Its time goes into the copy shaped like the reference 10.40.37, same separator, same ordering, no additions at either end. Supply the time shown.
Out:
2.30.48
